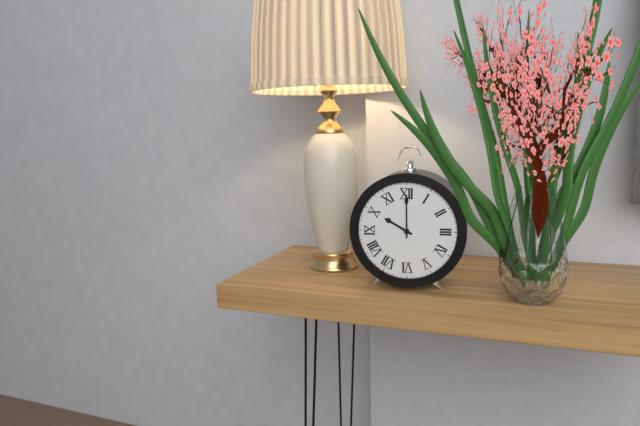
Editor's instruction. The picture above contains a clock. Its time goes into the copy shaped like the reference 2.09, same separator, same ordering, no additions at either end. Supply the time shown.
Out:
10.00
